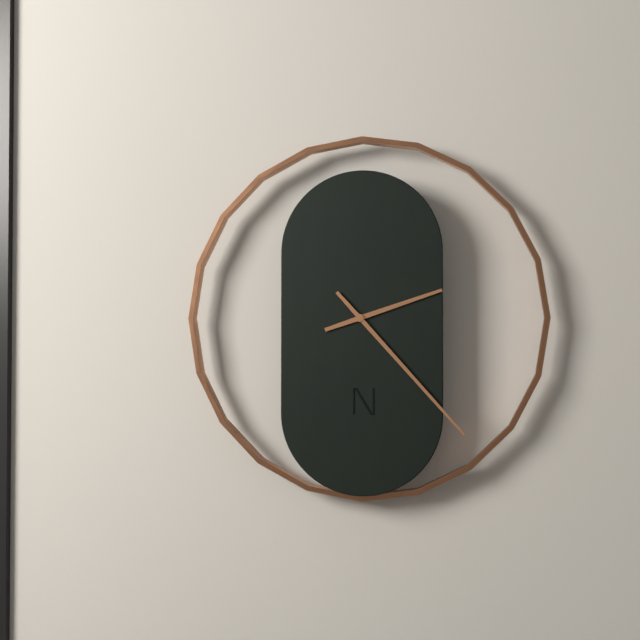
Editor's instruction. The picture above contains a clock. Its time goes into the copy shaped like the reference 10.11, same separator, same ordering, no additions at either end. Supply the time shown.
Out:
2.23
